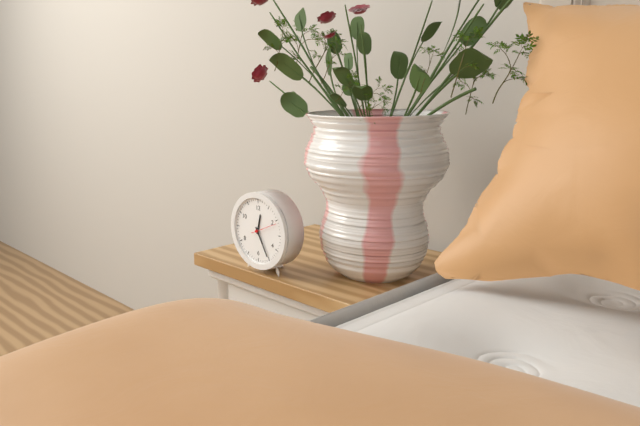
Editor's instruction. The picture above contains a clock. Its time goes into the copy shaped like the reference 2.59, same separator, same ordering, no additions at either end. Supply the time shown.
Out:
12.25
